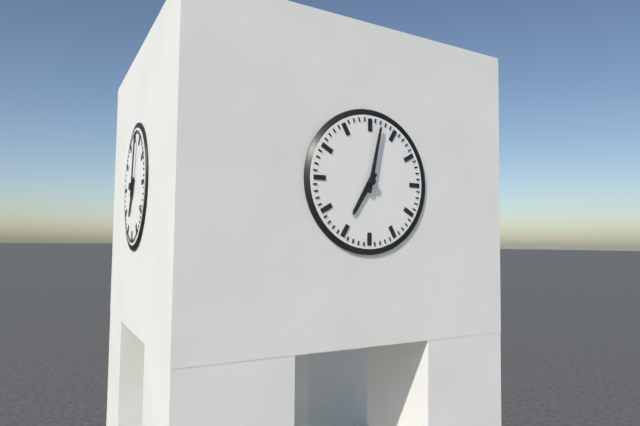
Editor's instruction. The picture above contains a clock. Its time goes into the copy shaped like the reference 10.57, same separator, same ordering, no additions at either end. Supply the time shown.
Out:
7.02
